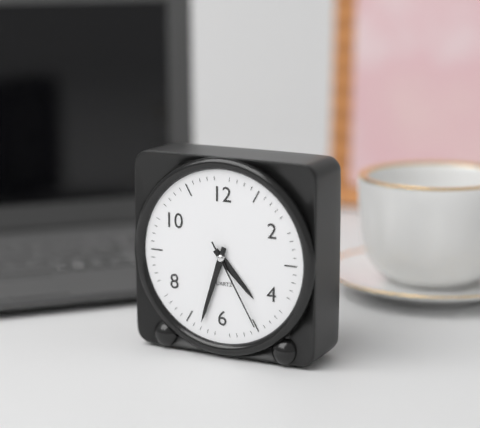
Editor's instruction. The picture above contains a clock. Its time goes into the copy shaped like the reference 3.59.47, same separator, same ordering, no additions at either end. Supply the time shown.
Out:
4.33.25
